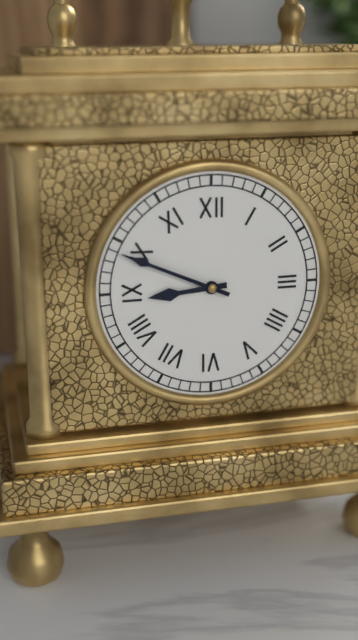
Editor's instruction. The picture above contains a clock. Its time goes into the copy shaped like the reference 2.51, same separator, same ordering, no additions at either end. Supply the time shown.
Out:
8.49
